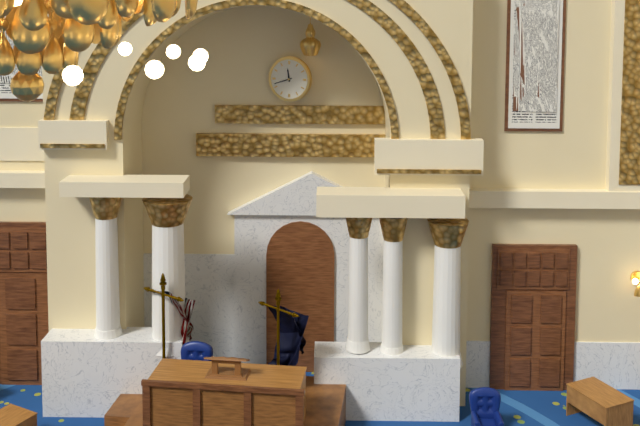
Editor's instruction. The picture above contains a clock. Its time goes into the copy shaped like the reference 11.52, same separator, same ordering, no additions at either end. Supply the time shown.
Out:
11.42
